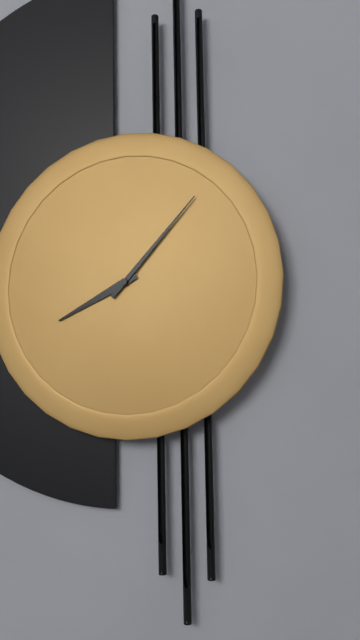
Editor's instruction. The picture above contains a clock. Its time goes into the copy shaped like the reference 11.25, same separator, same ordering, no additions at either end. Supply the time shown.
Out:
8.07
